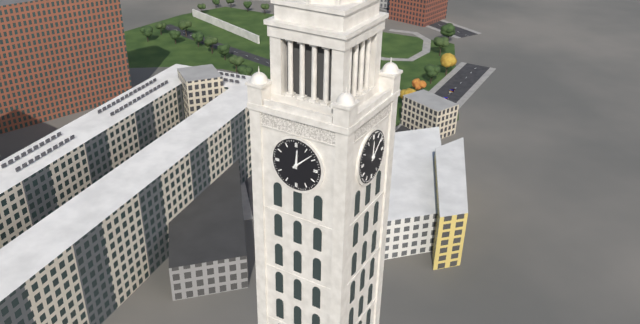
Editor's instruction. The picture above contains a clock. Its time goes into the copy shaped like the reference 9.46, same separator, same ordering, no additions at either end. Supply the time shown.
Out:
12.08
